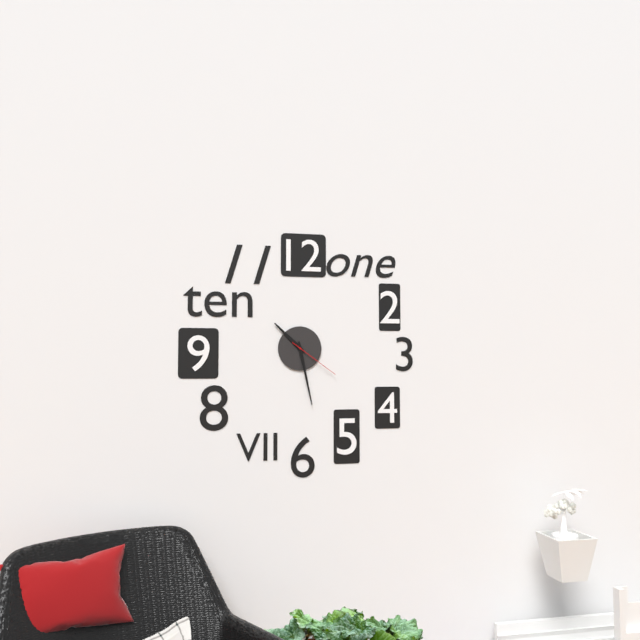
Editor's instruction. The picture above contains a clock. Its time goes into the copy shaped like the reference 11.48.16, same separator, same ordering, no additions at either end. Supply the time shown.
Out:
10.28.21
